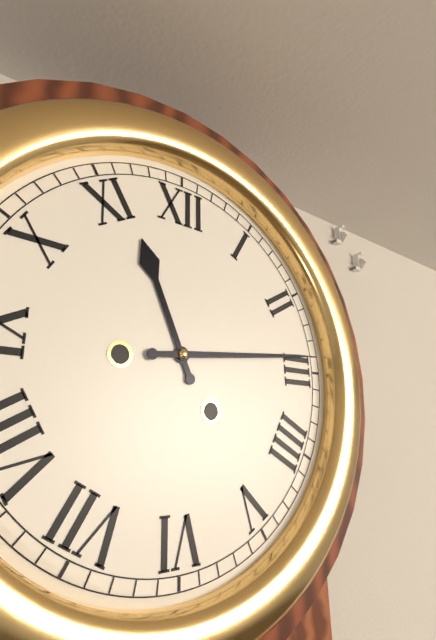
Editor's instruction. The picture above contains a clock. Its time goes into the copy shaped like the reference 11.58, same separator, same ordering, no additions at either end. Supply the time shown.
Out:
11.14
